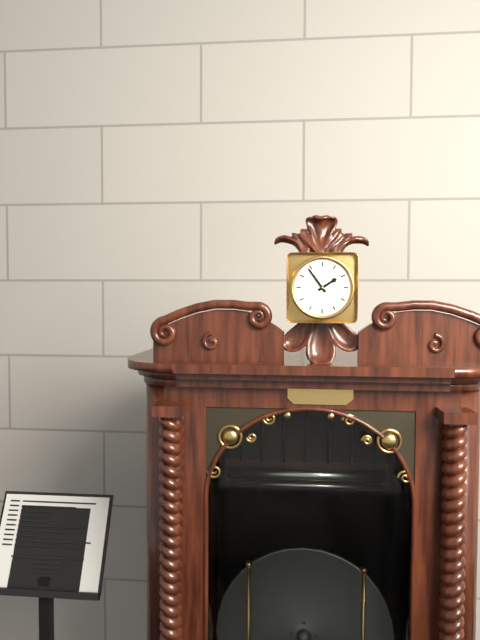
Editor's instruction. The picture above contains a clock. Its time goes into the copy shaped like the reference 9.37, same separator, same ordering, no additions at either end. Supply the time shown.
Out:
1.54
